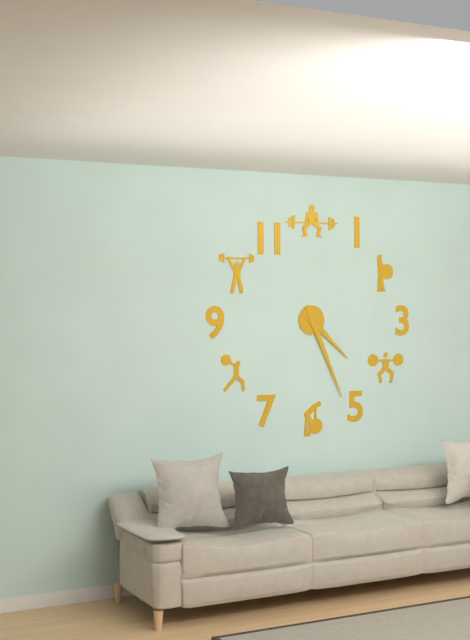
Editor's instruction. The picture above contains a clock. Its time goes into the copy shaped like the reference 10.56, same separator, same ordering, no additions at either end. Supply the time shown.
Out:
4.26
